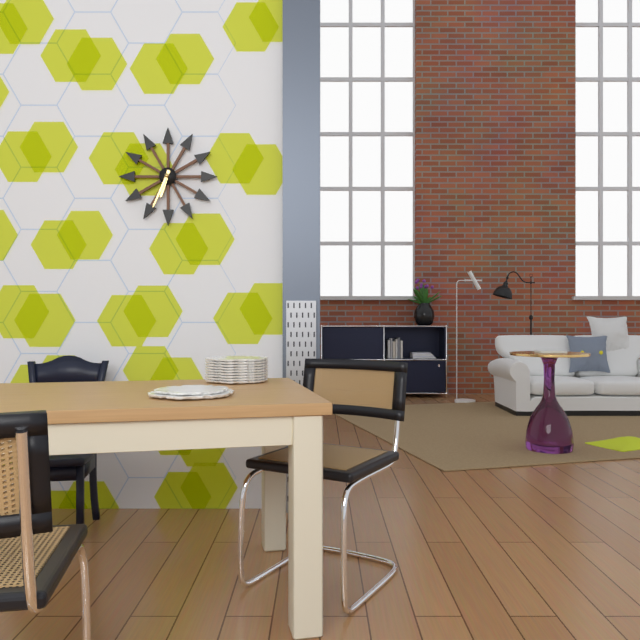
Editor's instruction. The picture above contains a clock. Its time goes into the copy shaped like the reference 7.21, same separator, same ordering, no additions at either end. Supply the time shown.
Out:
6.34
